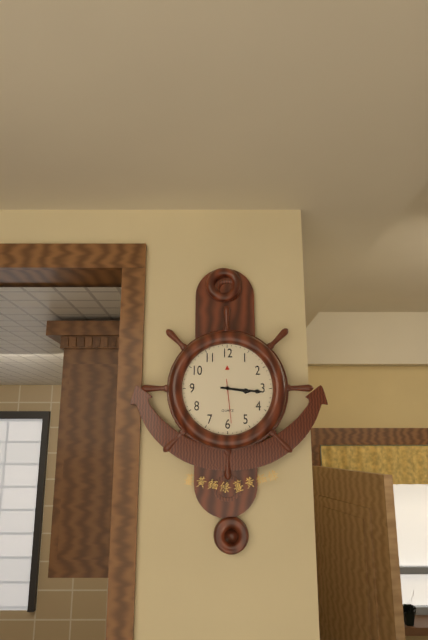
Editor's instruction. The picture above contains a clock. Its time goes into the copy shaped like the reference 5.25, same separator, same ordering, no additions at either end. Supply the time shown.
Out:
3.16
